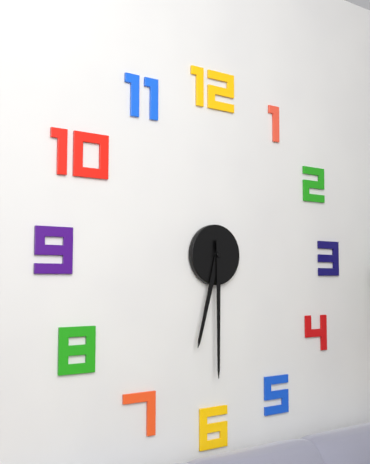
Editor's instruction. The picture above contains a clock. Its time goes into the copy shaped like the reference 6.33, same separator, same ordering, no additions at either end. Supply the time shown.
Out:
6.30
